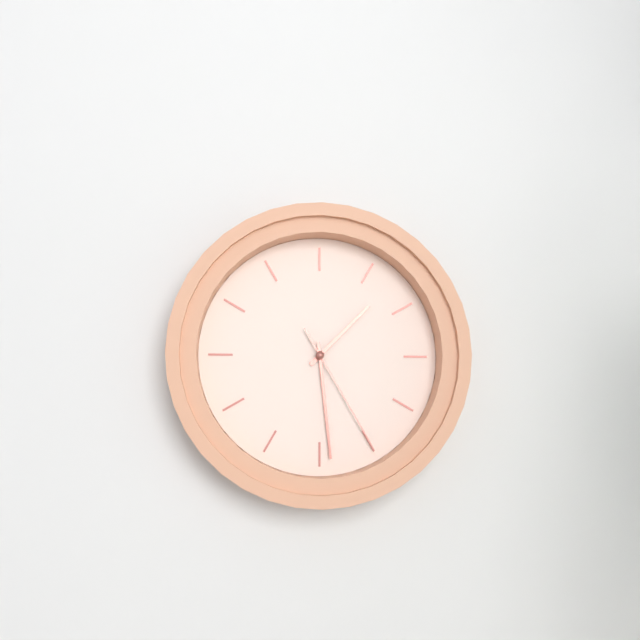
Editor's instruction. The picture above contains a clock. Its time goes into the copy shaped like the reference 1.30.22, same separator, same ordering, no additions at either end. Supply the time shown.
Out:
1.29.25
